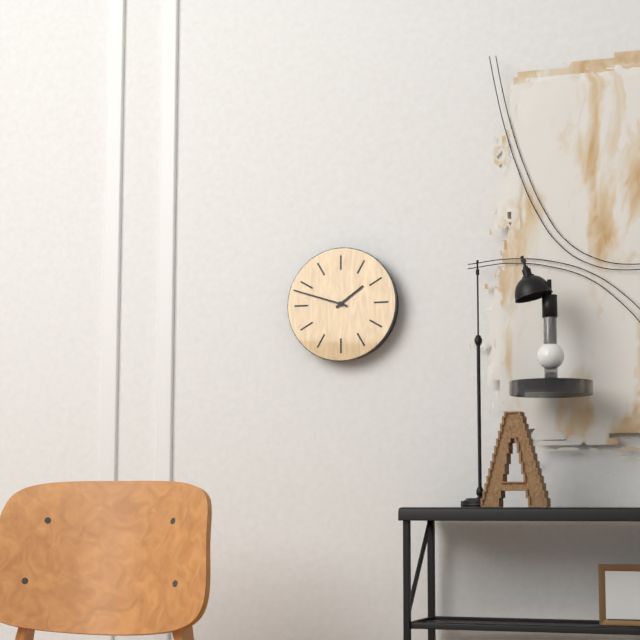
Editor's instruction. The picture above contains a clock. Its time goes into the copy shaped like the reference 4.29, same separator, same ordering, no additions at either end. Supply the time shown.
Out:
1.48
